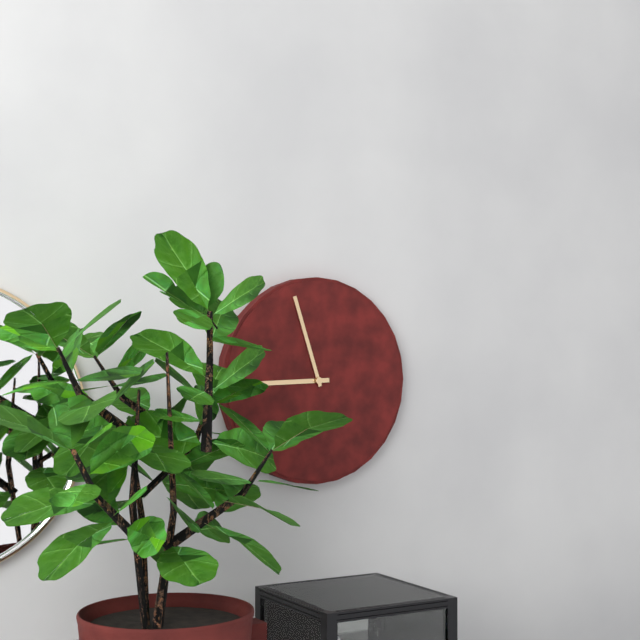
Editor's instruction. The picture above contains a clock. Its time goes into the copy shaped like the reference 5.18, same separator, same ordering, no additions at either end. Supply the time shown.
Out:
8.57
